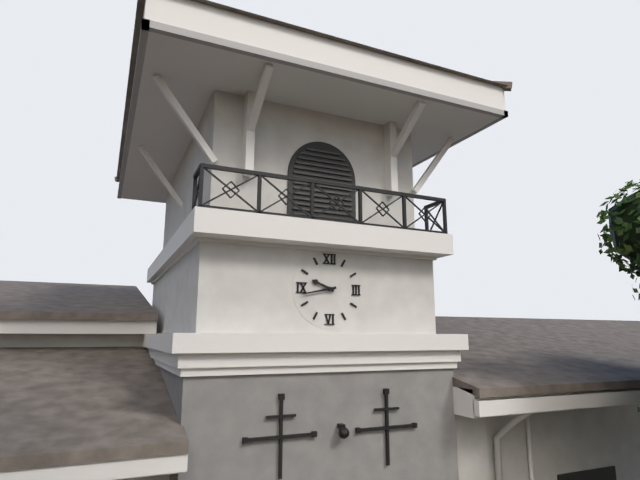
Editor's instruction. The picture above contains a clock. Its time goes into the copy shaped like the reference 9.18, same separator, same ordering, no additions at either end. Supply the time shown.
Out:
9.43
